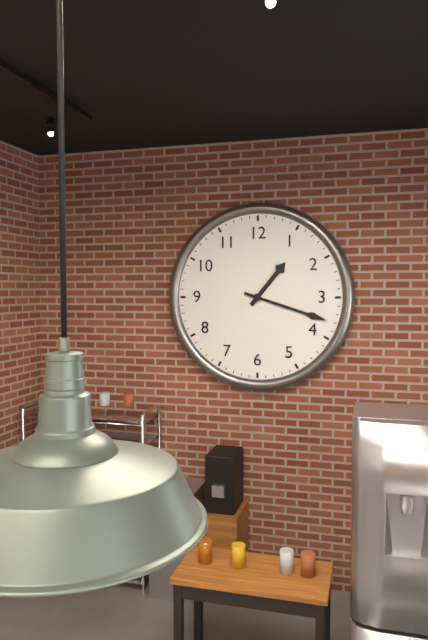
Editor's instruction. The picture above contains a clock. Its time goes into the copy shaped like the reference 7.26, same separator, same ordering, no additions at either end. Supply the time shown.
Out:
1.18
